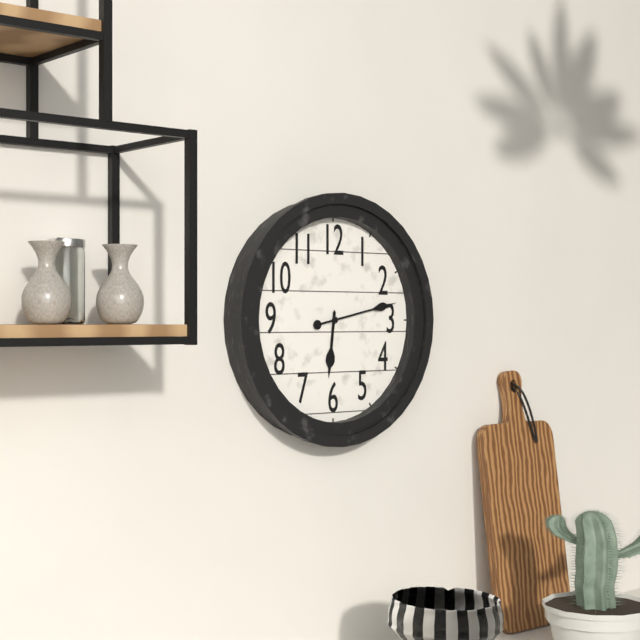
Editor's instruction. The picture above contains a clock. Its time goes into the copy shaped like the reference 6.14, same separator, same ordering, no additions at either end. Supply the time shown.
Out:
6.13
